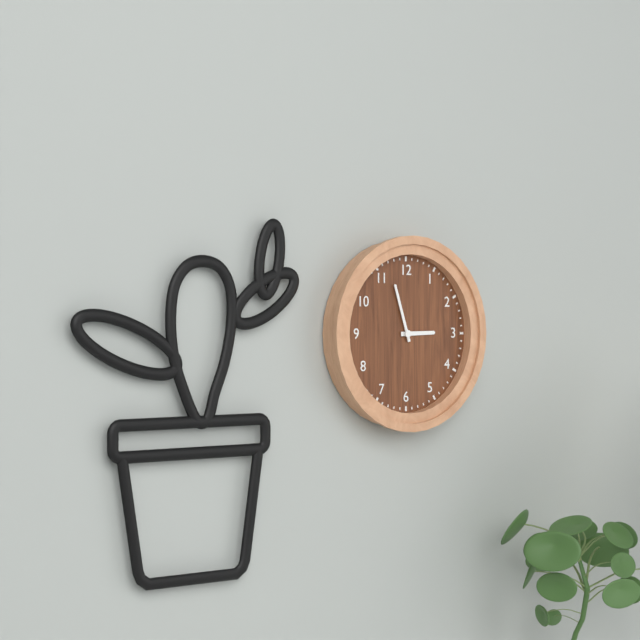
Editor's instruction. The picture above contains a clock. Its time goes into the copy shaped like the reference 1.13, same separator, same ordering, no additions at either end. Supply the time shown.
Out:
2.57
